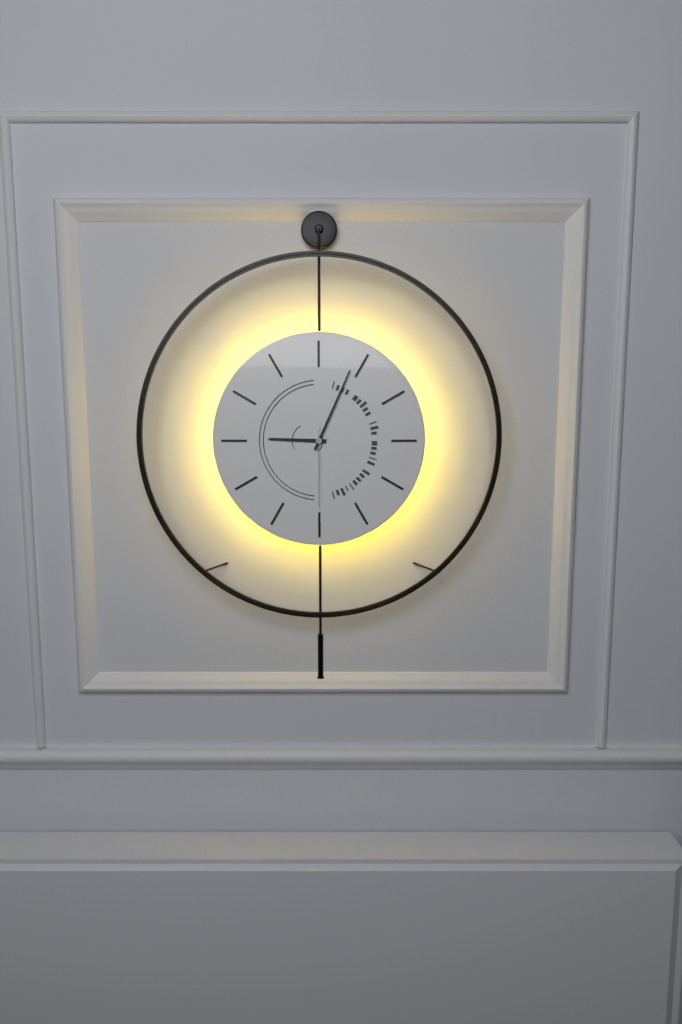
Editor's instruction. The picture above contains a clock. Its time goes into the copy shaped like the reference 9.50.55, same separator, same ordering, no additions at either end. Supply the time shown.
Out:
9.04.30
